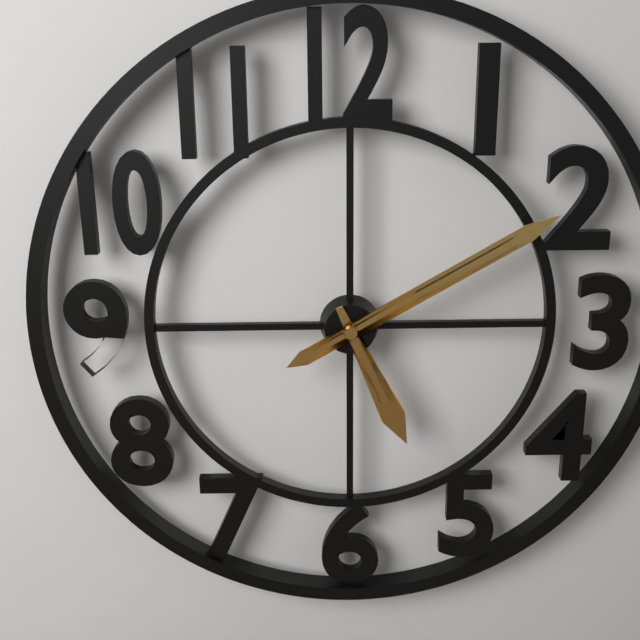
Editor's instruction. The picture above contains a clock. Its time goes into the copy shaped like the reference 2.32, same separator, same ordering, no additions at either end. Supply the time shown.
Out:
5.10
